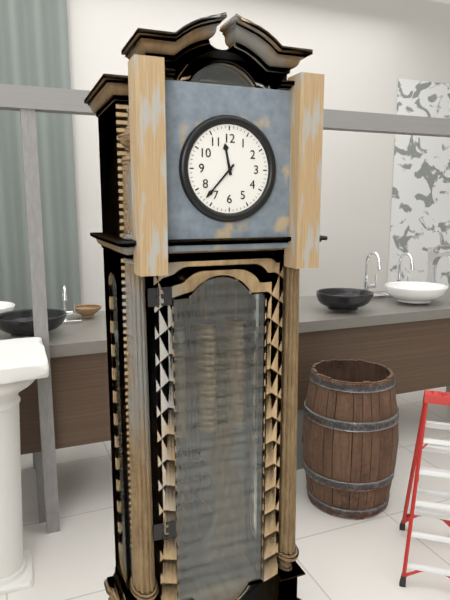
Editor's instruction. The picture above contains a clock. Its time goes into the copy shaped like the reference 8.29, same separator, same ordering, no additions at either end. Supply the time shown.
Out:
11.37
